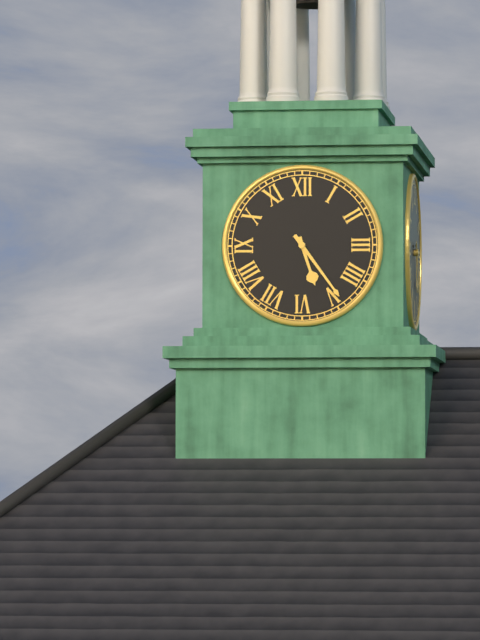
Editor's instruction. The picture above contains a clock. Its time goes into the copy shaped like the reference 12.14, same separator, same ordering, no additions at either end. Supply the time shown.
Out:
5.24
